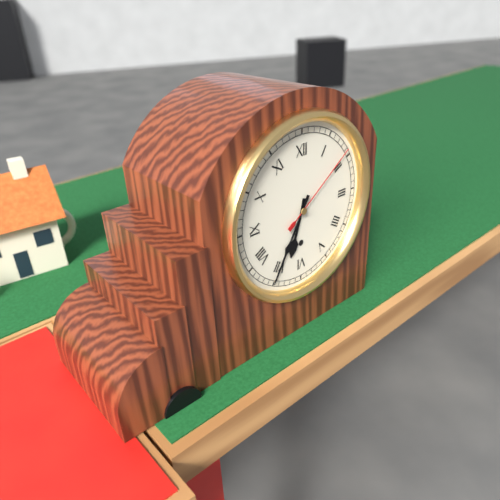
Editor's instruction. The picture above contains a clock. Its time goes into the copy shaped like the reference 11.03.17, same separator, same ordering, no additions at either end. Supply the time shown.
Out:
6.35.09
